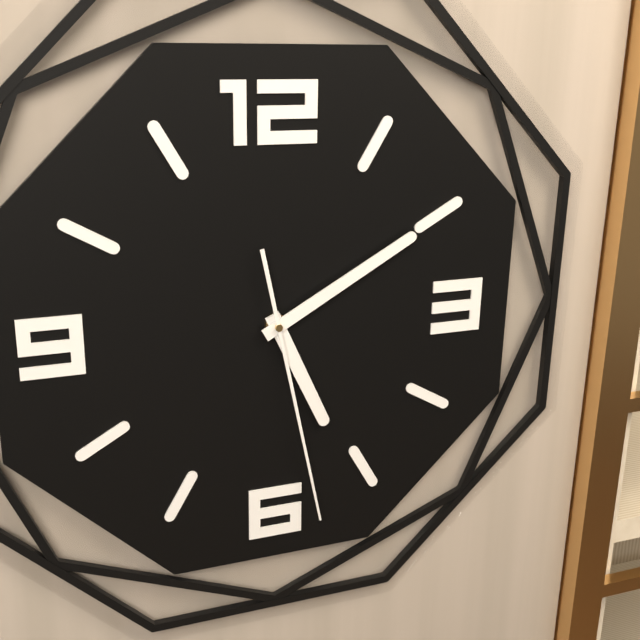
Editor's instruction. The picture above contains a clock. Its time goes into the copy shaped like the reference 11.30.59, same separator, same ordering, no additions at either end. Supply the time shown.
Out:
5.10.28
